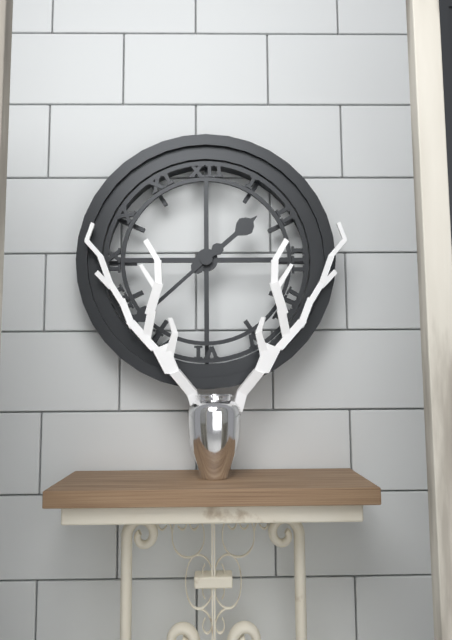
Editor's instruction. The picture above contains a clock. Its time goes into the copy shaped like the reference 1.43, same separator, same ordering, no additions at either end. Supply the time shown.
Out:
1.38
